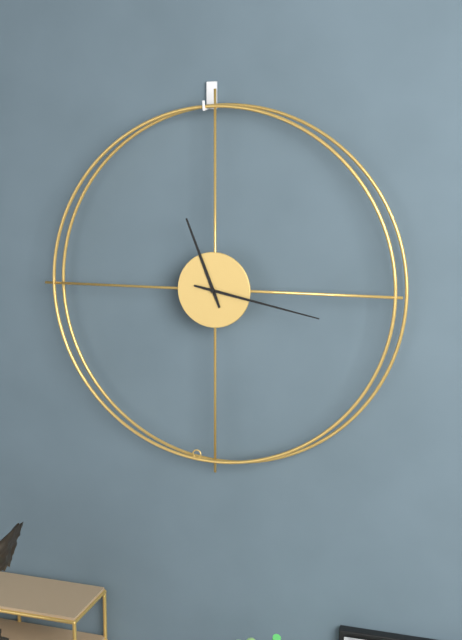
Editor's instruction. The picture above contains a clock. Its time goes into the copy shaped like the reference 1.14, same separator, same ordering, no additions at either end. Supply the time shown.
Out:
11.17
